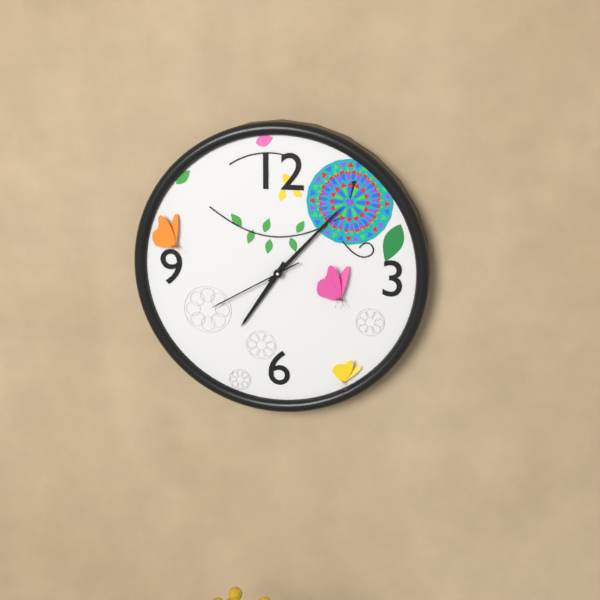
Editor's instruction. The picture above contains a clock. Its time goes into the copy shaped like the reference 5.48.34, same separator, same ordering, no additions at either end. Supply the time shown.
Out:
7.07.40
